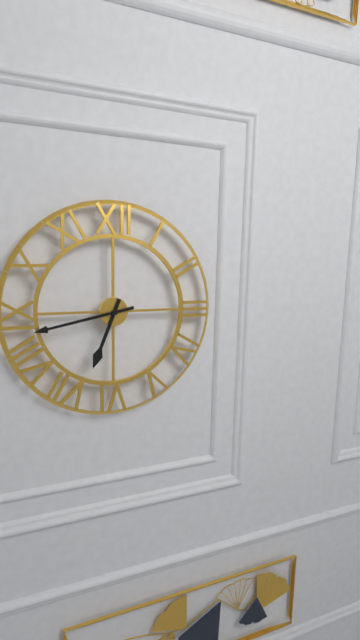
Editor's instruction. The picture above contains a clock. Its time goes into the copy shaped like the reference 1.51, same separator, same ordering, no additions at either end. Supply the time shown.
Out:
6.43
